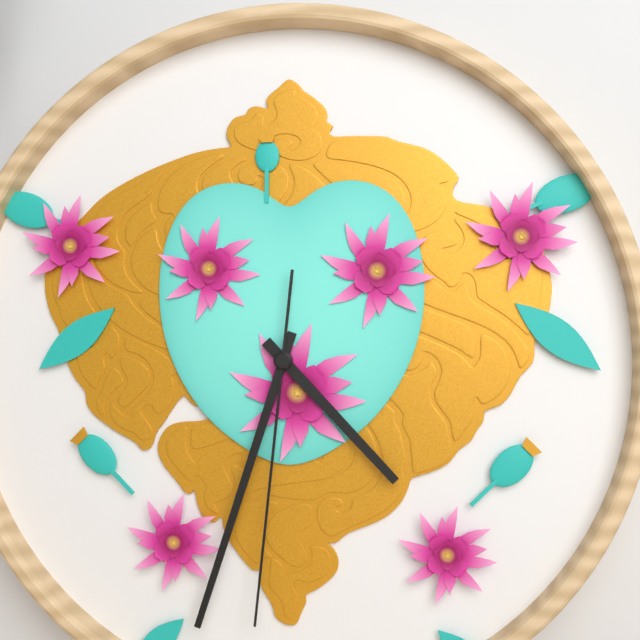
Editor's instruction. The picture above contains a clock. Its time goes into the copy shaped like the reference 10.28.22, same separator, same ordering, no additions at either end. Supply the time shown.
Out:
4.33.31
